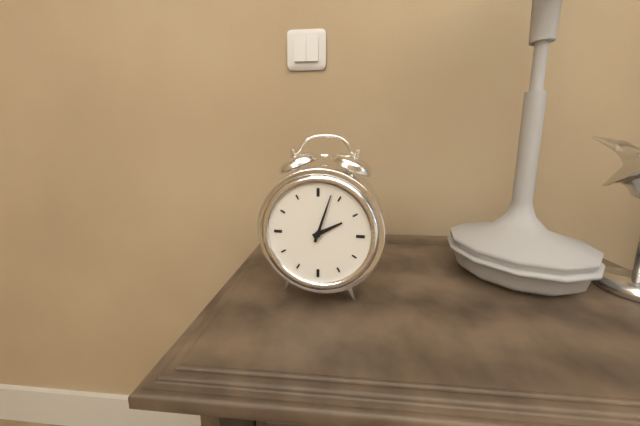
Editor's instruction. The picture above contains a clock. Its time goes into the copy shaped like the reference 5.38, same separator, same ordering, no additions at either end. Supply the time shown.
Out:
2.03
